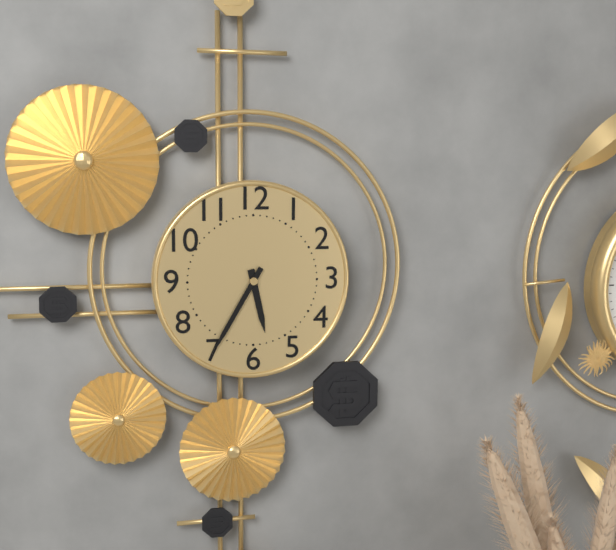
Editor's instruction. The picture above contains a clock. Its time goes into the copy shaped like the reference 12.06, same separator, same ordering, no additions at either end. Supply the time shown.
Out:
5.35
